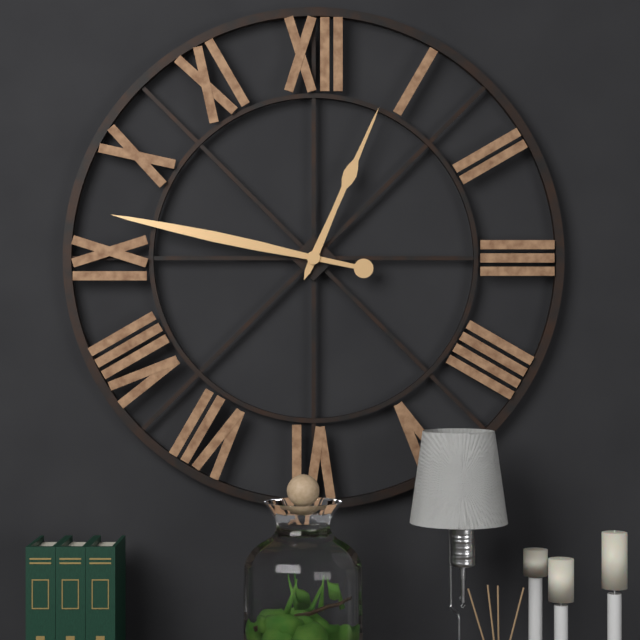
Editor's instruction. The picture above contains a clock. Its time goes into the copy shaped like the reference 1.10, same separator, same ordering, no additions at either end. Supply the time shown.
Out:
12.47
